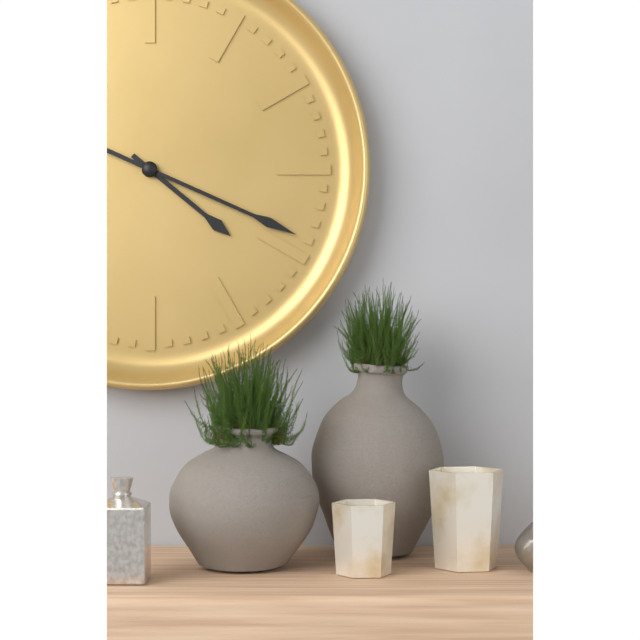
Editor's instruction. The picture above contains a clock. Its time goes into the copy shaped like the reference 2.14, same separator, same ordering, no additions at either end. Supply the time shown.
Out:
4.19
